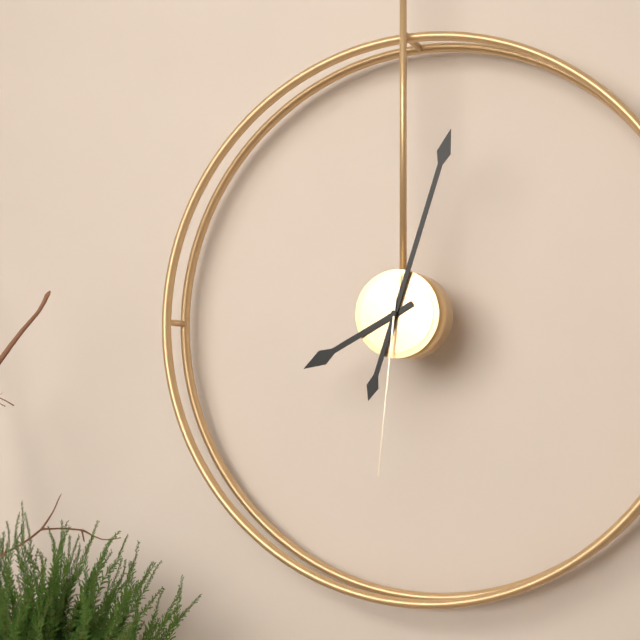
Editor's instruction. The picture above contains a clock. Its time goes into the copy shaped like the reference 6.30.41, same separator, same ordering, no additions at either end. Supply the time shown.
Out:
8.03.31
